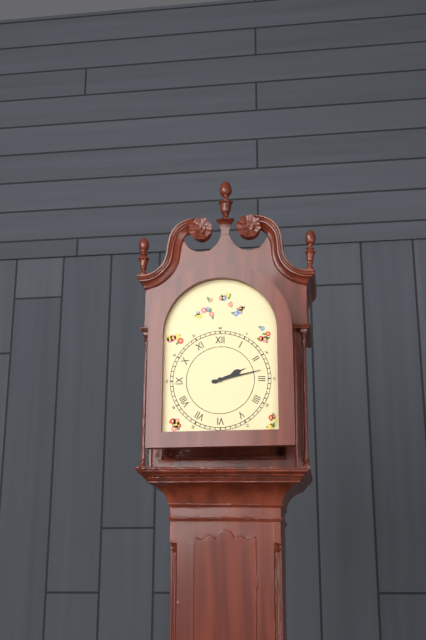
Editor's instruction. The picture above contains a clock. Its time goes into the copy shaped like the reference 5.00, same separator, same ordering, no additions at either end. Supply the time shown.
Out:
2.13
